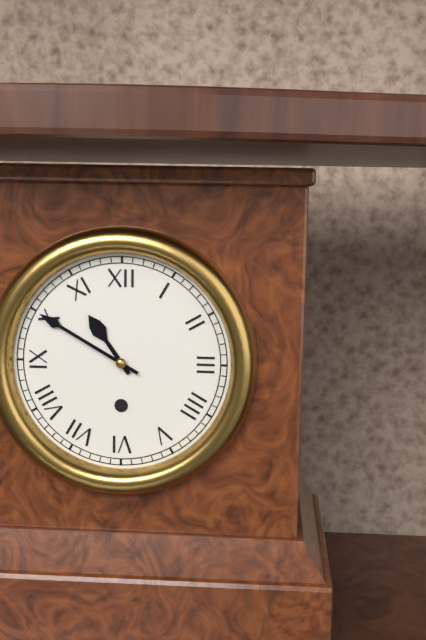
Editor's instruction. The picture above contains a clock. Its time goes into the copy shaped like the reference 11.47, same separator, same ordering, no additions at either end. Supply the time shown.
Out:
10.50
